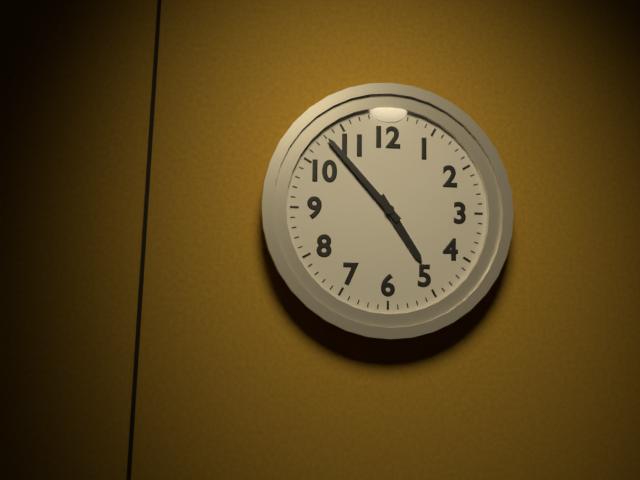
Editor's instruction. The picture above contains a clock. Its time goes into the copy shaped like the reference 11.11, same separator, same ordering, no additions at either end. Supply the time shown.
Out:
4.53
